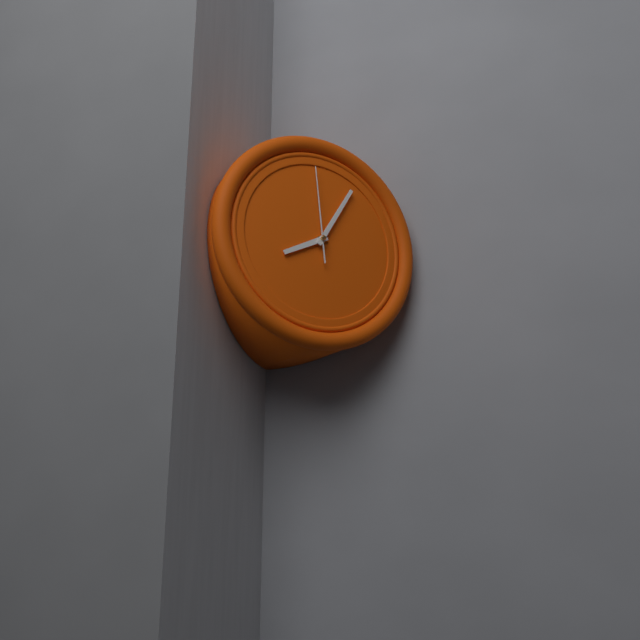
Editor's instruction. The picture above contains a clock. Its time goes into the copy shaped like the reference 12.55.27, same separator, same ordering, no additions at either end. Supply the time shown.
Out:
8.05.59
